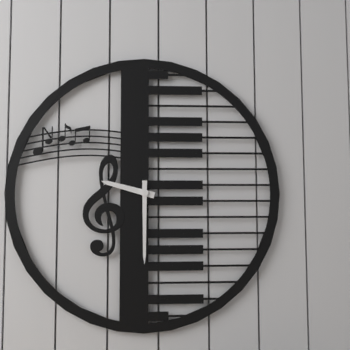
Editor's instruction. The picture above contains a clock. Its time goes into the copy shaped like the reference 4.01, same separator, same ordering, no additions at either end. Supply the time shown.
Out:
9.30
